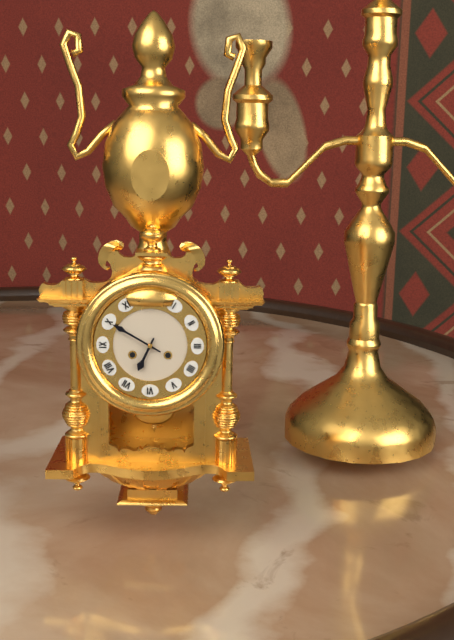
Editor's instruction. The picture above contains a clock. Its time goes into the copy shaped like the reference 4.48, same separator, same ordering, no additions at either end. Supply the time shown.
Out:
6.50
